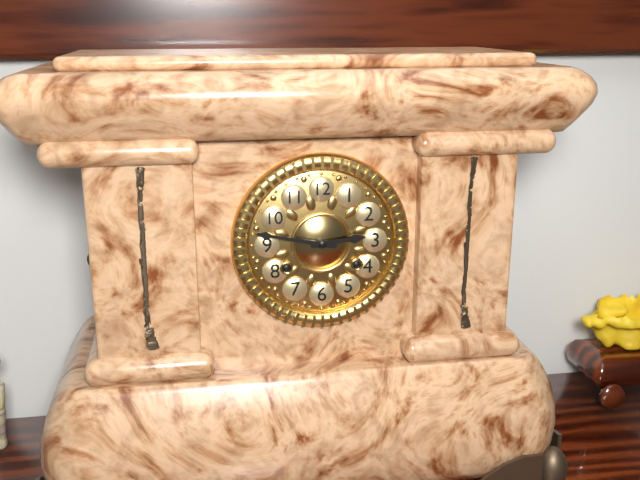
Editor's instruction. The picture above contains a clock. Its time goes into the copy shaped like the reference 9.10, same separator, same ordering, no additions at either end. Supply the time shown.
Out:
2.47
